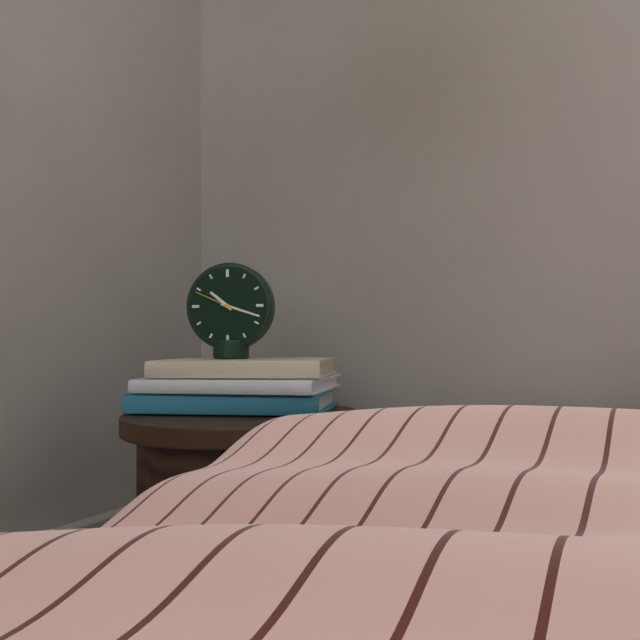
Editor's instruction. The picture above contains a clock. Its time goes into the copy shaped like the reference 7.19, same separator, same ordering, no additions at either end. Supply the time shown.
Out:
10.18
